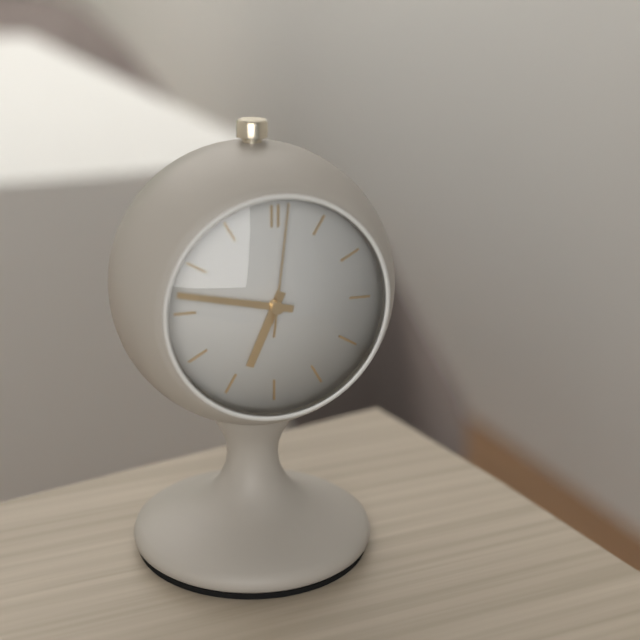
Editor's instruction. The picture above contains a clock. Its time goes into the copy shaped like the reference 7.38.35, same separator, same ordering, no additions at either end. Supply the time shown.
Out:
6.47.01
